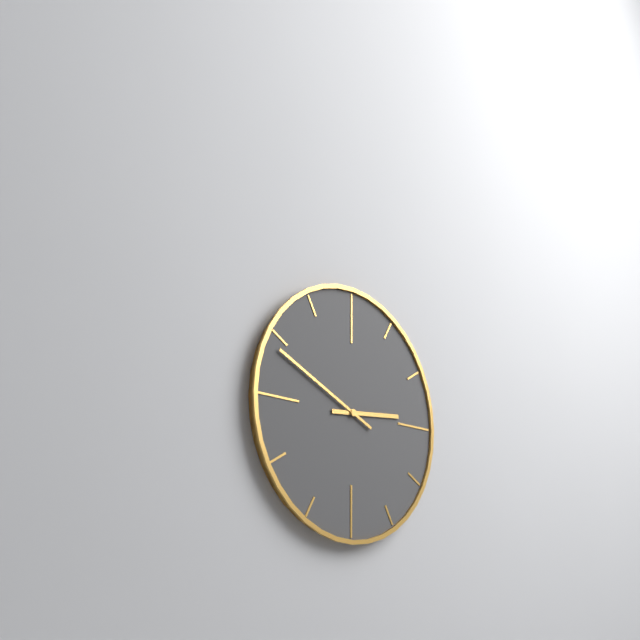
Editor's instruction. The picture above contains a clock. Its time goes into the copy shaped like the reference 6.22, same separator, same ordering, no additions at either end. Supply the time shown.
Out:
2.49
